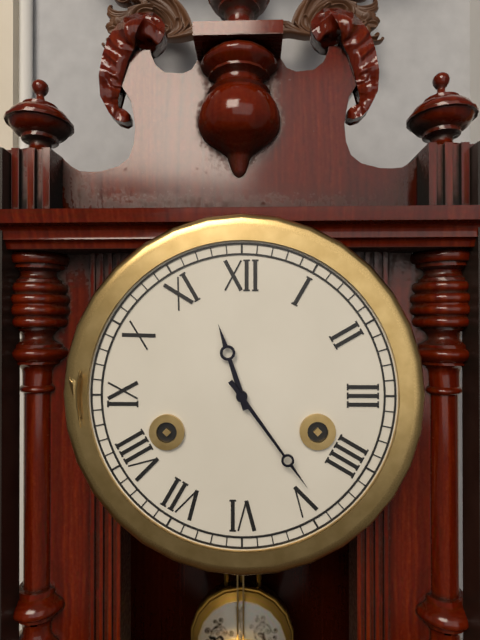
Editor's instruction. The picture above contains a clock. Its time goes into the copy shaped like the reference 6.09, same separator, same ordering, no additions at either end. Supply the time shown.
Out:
11.24
